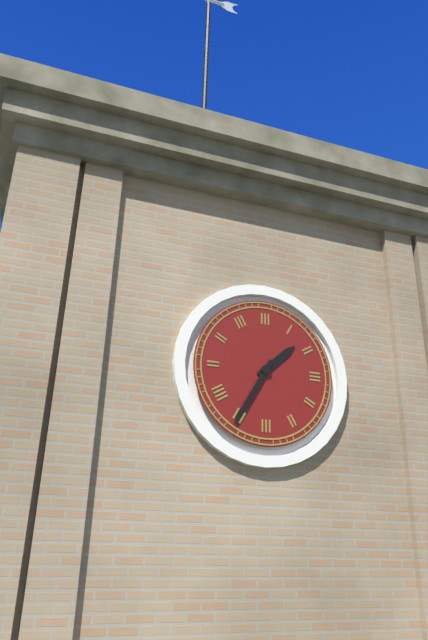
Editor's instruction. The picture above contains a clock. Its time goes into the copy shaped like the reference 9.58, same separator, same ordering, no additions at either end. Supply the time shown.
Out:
1.35
